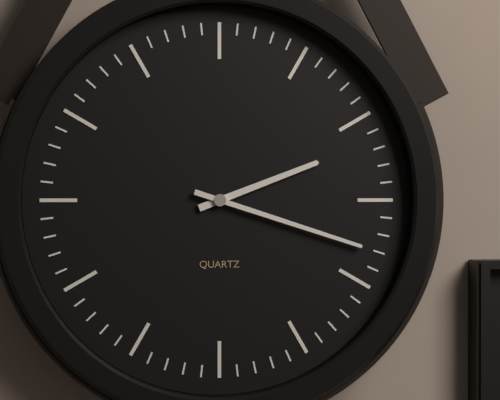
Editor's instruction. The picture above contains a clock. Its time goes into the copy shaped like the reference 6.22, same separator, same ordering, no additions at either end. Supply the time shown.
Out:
2.18
